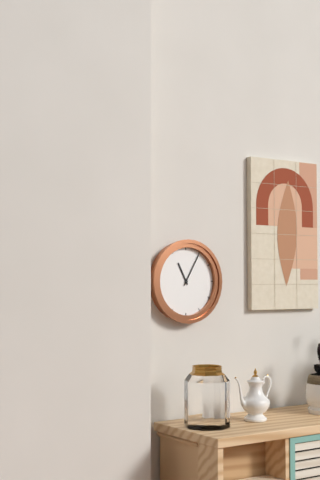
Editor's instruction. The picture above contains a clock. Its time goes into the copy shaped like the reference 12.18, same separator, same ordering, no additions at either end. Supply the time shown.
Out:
11.05
